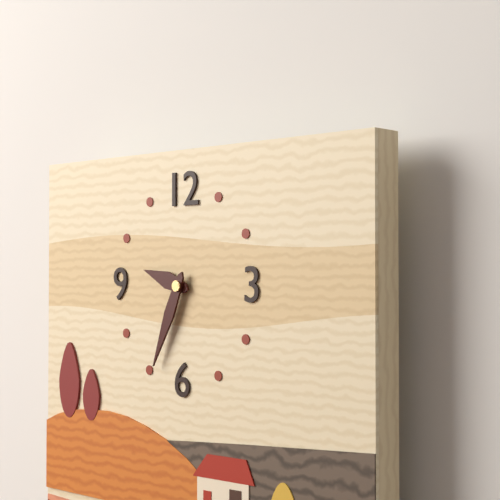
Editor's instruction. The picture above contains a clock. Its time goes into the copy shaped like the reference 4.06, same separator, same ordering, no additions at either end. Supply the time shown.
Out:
9.34
